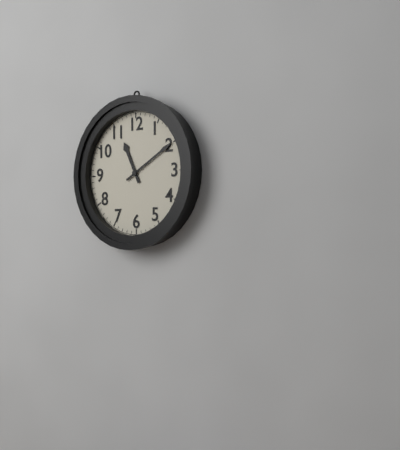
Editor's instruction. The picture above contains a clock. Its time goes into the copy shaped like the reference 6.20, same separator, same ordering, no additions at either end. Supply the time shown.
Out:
11.10
